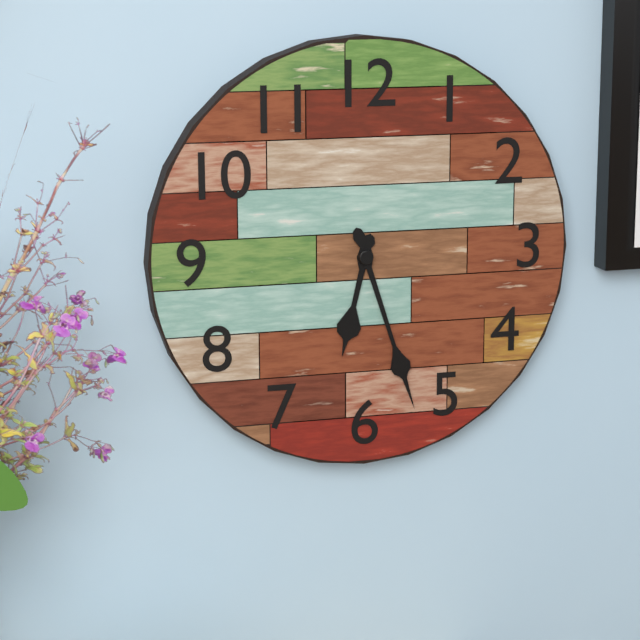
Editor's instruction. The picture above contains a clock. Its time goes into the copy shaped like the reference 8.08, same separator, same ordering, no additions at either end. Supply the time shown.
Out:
6.27
